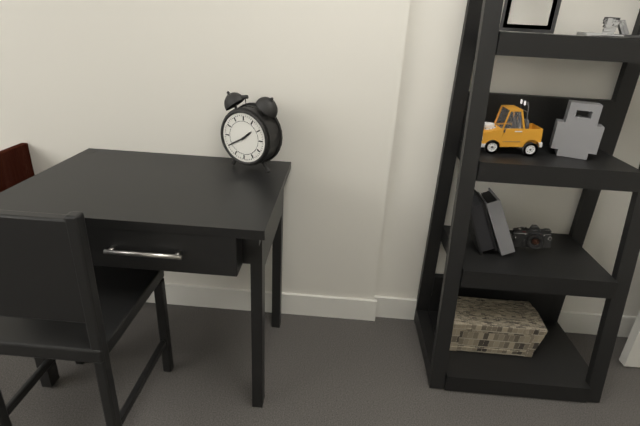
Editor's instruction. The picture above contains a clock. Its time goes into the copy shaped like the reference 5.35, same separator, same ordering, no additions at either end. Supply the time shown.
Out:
1.40
